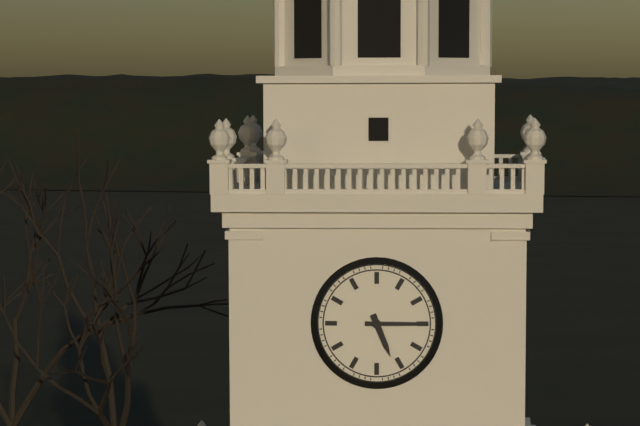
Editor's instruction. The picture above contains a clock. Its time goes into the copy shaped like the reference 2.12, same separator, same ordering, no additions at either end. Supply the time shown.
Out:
5.15
